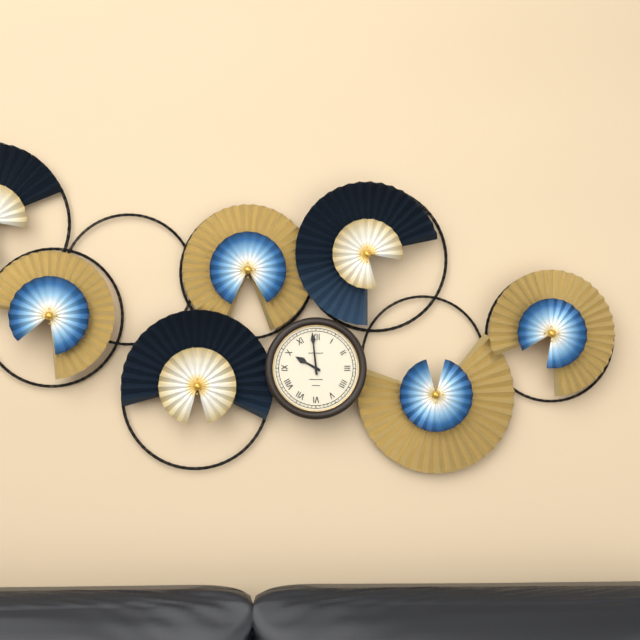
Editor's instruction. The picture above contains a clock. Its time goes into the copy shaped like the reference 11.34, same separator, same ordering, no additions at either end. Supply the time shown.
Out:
9.59
